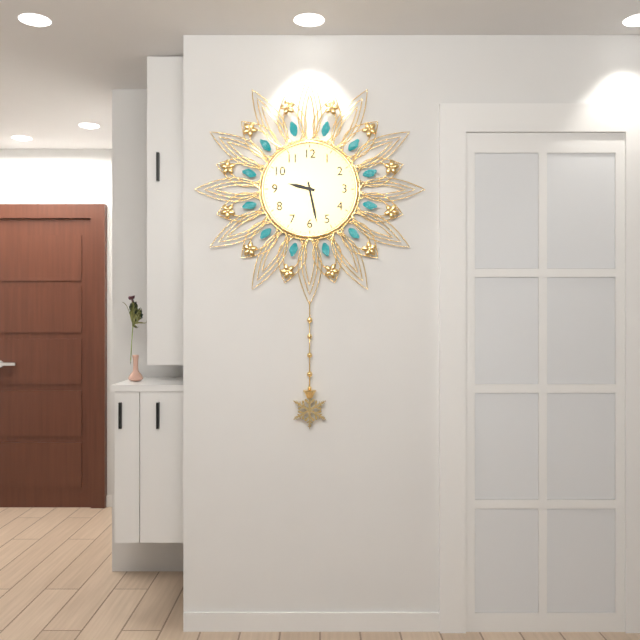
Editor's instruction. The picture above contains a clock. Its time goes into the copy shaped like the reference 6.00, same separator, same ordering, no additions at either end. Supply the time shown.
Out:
9.28
